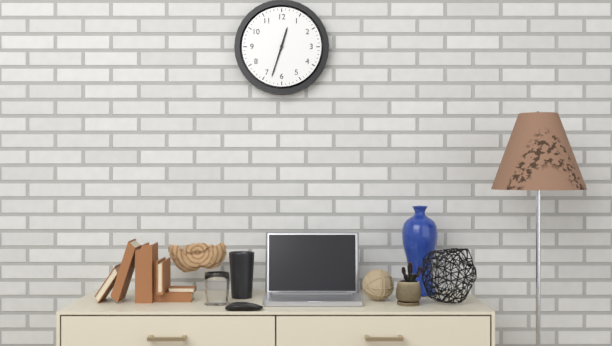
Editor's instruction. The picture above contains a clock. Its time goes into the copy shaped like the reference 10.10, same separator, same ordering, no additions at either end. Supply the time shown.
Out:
12.33
